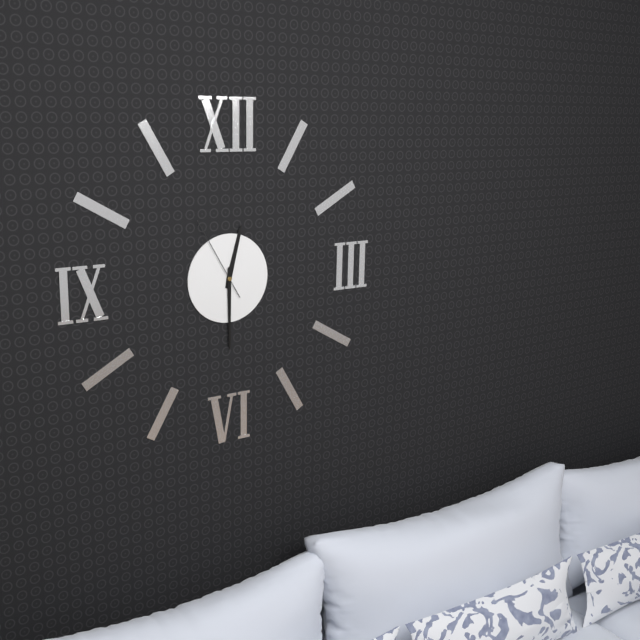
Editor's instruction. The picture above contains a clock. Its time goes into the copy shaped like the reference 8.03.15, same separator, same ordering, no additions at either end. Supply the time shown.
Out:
12.30.55
